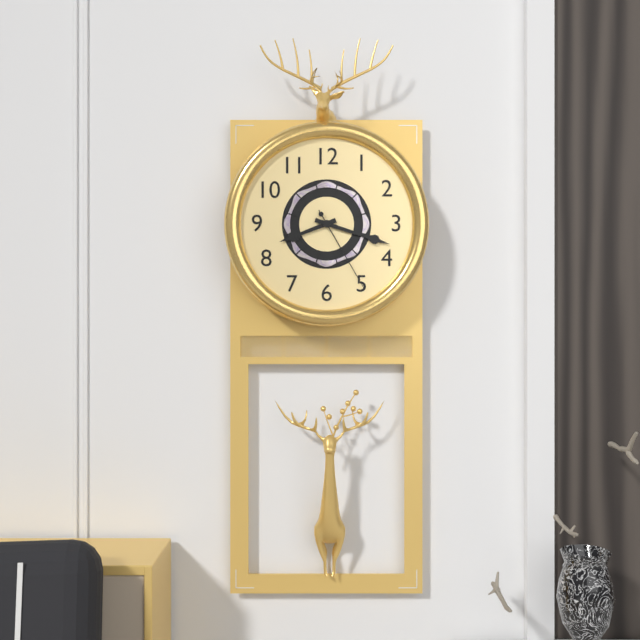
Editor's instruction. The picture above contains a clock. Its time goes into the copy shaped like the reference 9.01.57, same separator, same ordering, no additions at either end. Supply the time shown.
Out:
8.18.25
